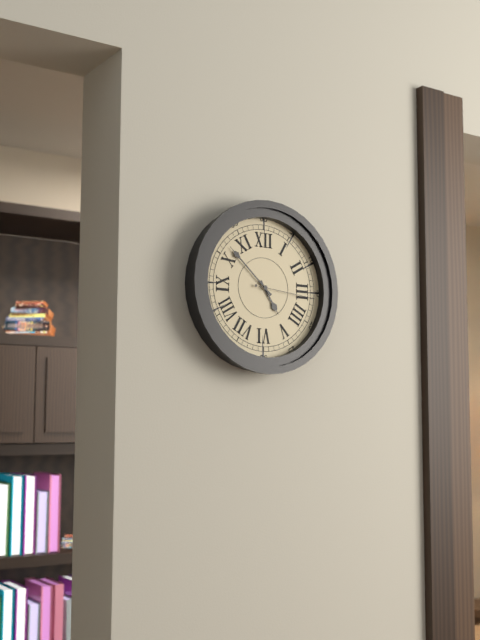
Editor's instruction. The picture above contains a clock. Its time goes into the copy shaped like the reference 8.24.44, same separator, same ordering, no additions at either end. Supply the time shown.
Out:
4.52.16
